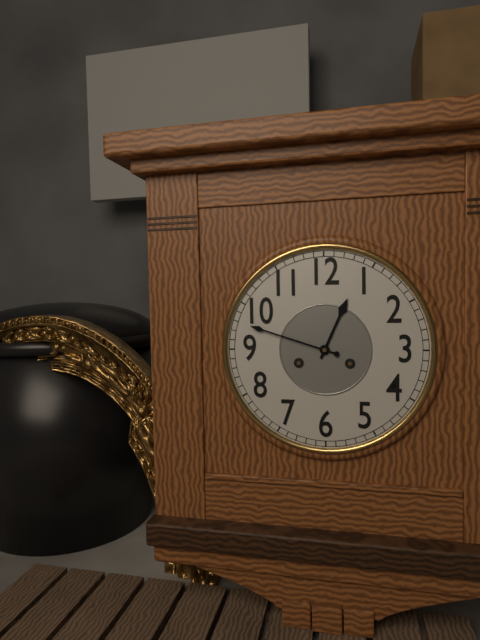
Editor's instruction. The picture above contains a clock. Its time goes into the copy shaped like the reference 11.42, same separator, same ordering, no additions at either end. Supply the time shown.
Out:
12.48
